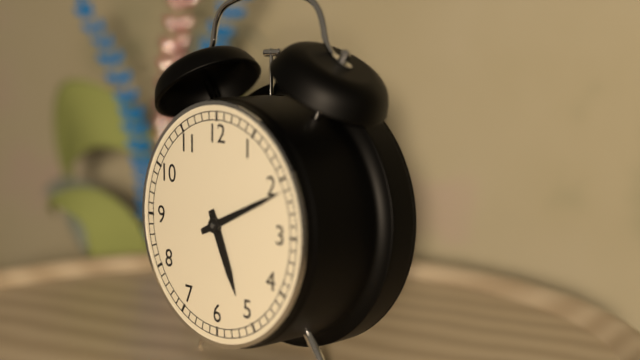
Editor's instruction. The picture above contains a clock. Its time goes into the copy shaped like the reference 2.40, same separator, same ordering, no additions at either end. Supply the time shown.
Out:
5.11
